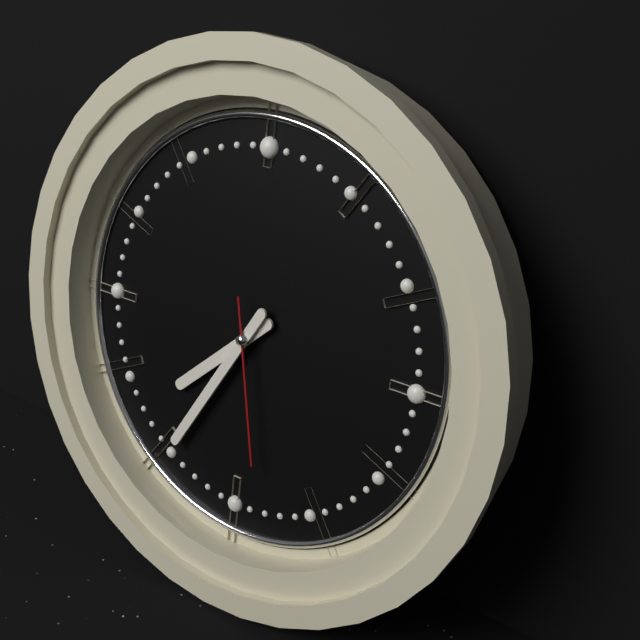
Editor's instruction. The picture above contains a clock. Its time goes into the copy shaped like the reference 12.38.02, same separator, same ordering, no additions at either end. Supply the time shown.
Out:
7.35.28
